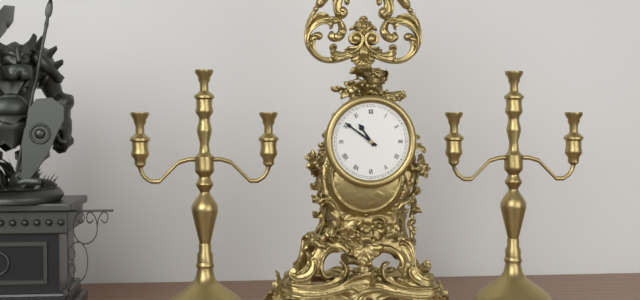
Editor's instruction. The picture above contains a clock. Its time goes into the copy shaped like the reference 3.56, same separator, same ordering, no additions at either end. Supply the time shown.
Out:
10.51
